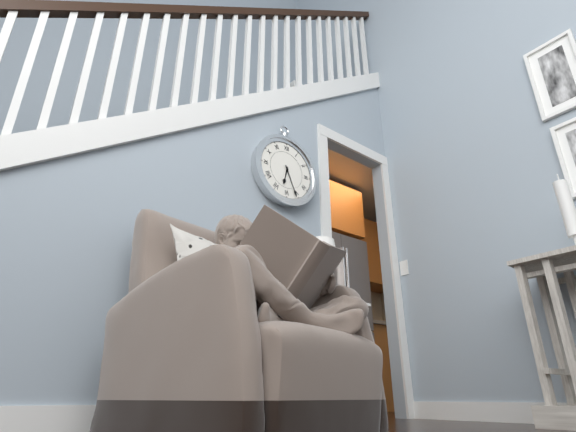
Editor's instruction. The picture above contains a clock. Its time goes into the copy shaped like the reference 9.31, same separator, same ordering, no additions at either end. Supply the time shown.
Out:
6.26
